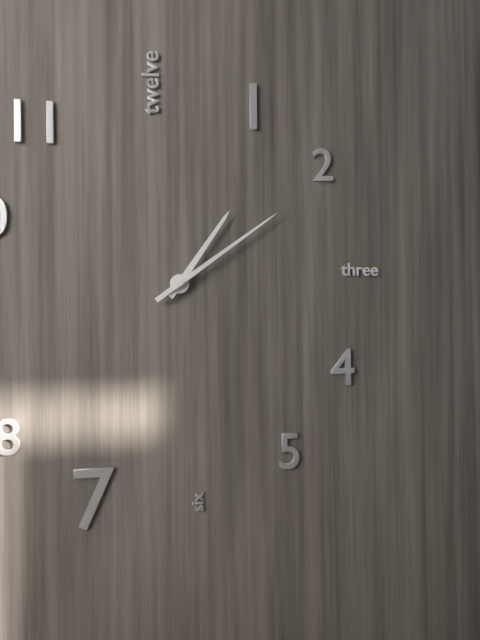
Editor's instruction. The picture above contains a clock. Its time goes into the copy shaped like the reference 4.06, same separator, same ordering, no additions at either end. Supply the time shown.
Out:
1.09
